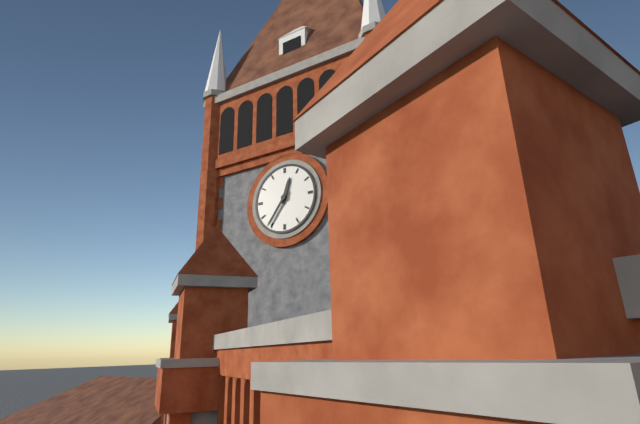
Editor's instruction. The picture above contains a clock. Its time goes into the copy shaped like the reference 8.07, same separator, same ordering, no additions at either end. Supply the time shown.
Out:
12.36
